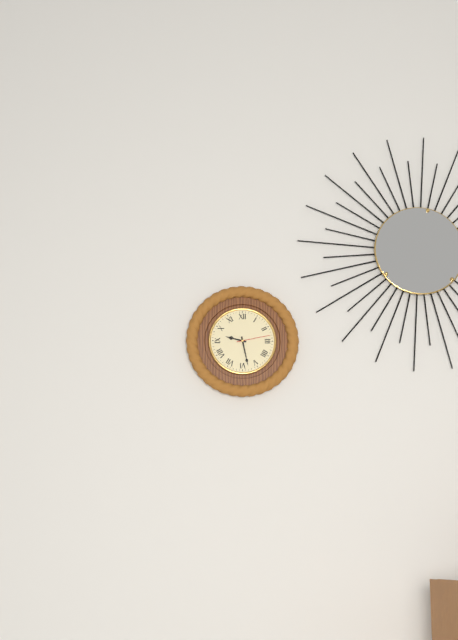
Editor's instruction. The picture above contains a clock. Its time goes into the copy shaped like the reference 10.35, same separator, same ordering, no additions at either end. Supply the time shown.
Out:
9.28
